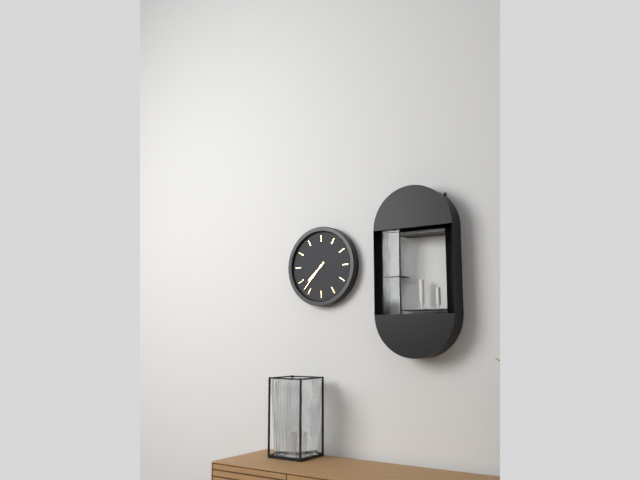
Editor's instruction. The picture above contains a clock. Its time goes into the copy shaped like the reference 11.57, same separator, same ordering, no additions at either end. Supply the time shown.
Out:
7.37
